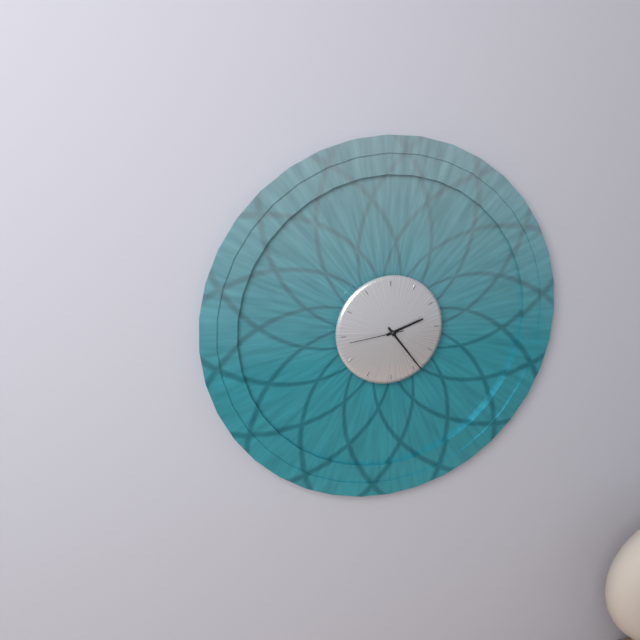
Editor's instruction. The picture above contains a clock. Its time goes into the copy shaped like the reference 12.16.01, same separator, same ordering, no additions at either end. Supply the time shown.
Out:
2.24.44
